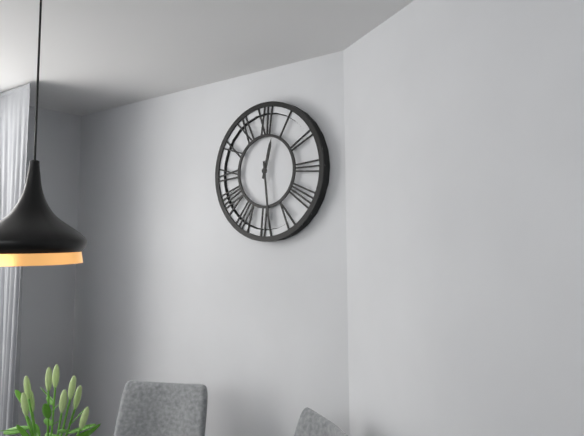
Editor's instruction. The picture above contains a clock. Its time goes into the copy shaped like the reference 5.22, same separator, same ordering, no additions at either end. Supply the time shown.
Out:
12.29
